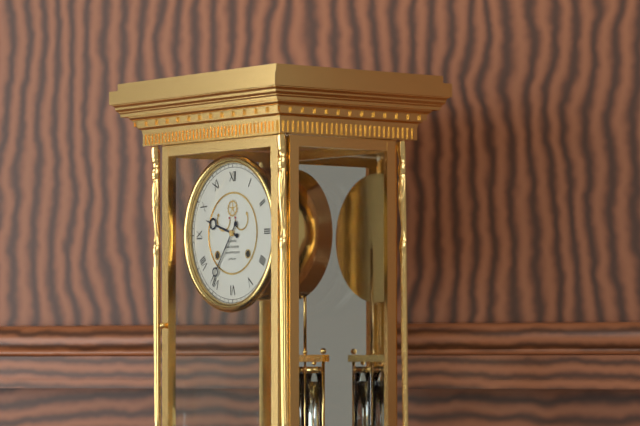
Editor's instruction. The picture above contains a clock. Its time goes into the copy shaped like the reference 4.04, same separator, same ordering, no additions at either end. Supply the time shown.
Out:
9.36
